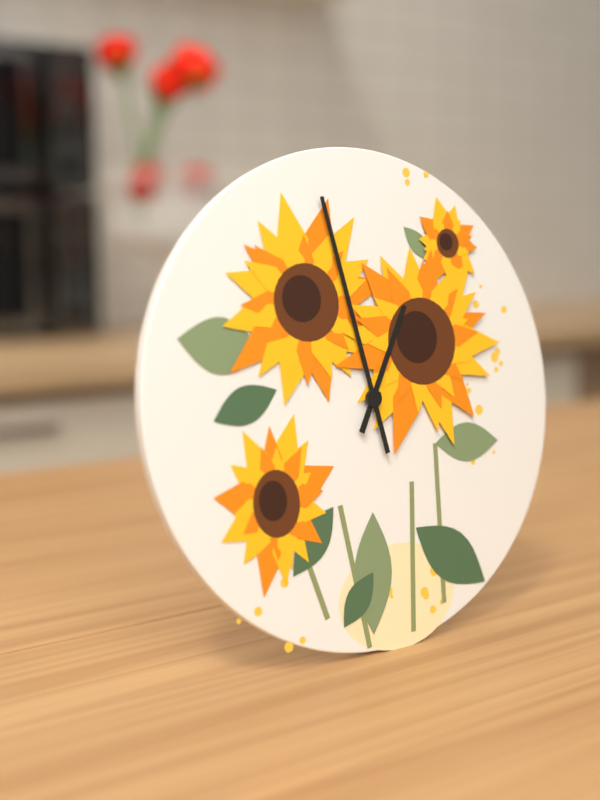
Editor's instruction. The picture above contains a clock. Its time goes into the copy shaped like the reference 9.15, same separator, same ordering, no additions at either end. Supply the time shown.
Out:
12.58
